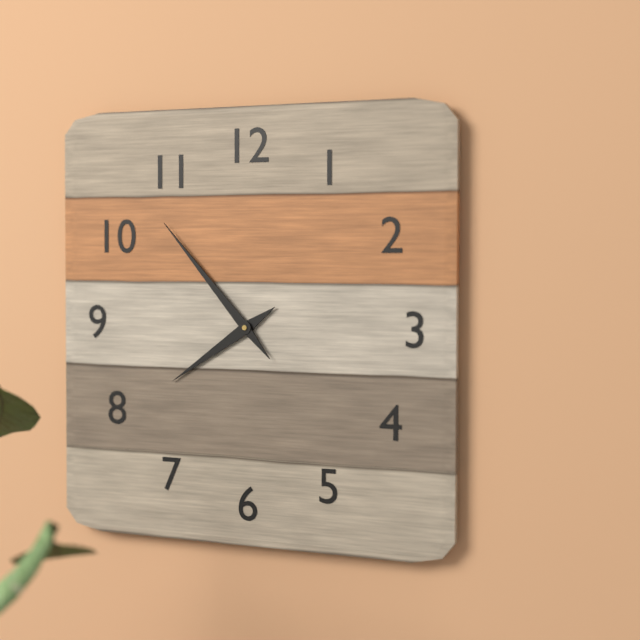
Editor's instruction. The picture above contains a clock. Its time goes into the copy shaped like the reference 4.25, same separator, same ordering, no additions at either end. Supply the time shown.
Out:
7.53
